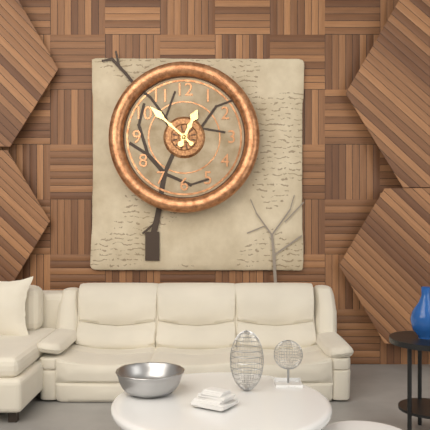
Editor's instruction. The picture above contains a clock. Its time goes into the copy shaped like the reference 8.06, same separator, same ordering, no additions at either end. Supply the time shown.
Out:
12.52
